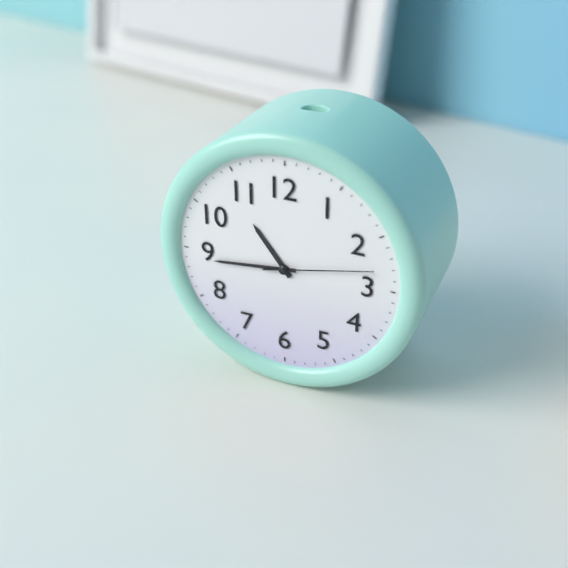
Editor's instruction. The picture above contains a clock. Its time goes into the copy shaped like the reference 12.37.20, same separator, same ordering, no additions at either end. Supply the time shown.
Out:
10.44.13
